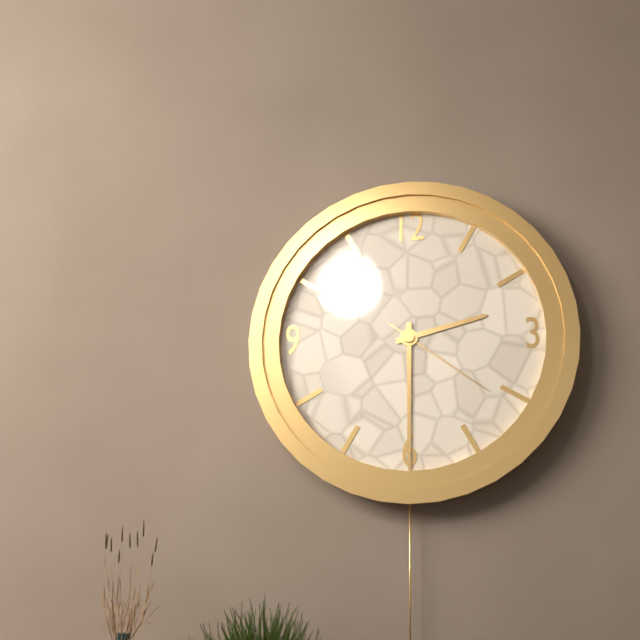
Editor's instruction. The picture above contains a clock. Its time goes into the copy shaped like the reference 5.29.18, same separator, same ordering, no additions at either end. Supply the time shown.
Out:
2.30.21
